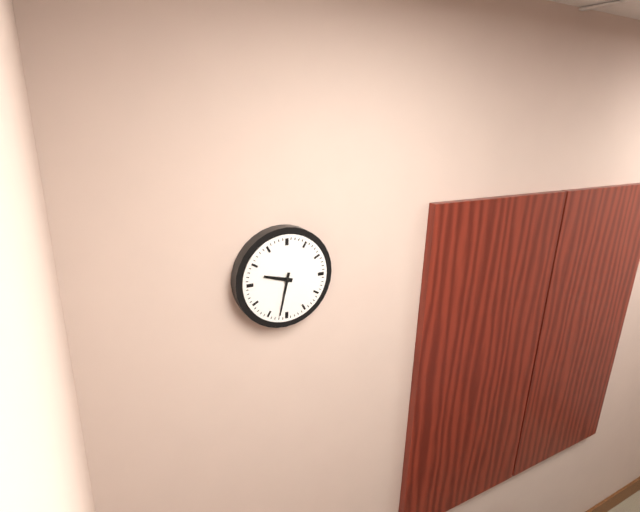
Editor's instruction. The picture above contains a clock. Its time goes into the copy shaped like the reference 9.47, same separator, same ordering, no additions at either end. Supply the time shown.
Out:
9.32
